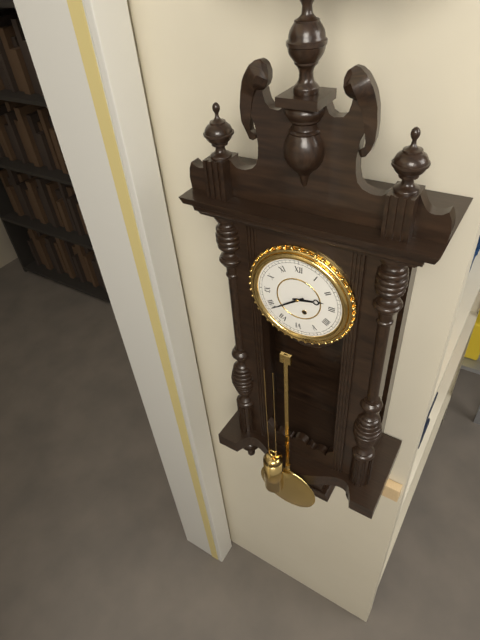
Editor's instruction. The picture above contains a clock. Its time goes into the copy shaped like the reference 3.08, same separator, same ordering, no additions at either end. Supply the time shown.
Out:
2.39
